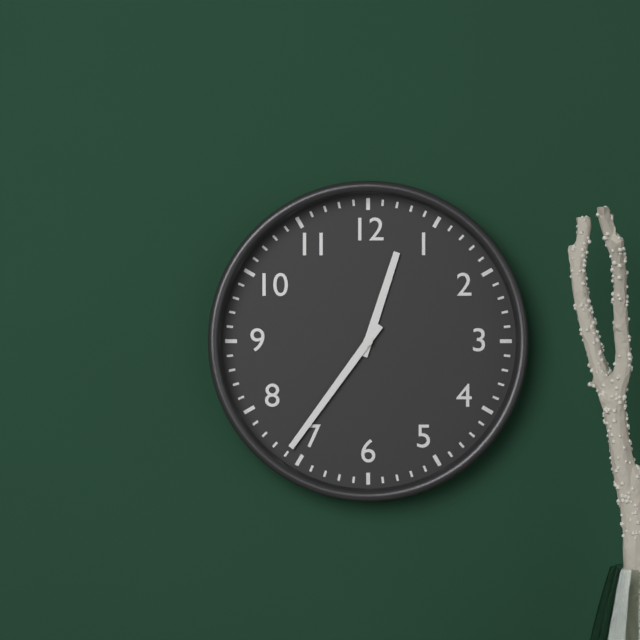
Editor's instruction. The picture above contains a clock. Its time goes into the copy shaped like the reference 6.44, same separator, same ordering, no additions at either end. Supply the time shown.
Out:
12.36
